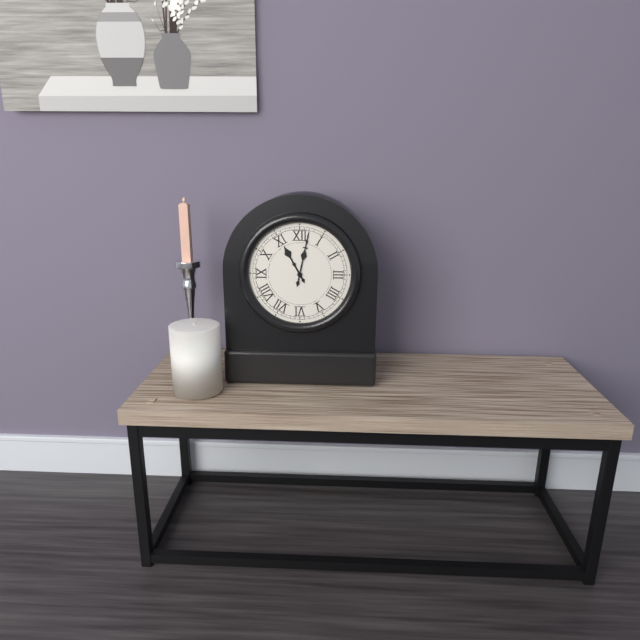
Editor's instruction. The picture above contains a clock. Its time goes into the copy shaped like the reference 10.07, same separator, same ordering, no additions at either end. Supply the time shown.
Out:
11.02
